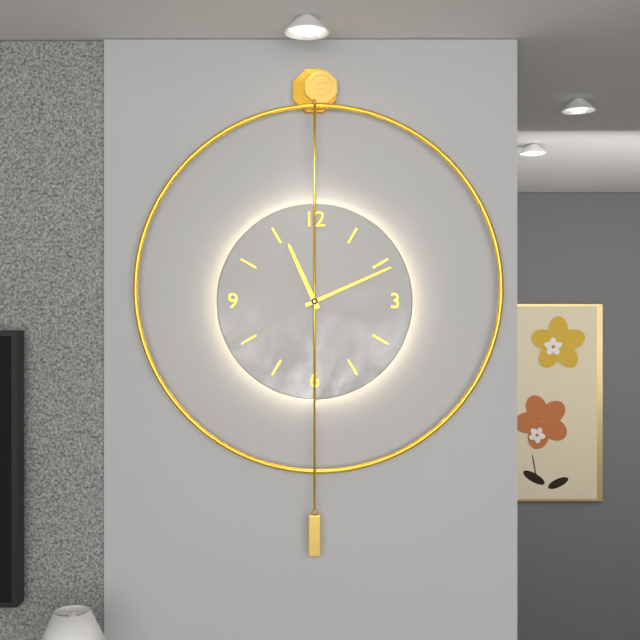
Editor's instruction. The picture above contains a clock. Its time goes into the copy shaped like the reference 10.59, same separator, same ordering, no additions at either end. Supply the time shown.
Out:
11.11
